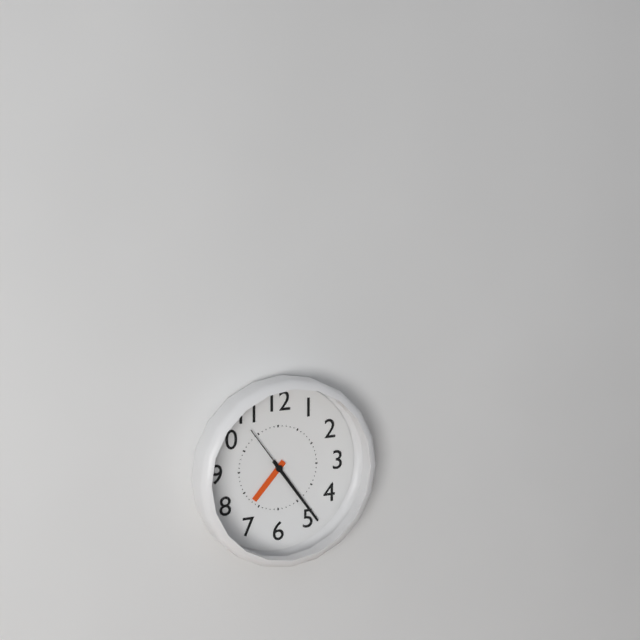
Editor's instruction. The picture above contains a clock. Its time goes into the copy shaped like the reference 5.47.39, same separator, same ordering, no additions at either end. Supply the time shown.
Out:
7.24.54
